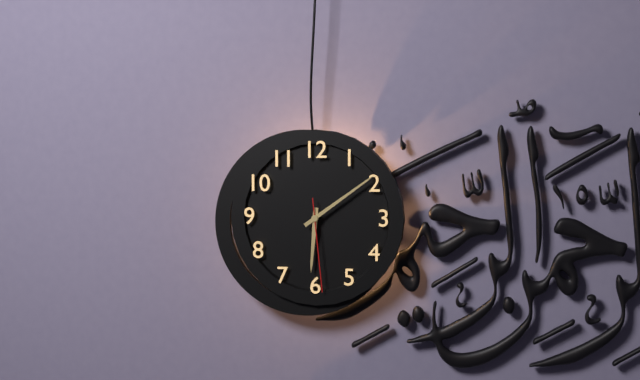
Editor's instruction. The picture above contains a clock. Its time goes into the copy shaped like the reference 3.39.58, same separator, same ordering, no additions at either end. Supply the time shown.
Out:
6.09.29
